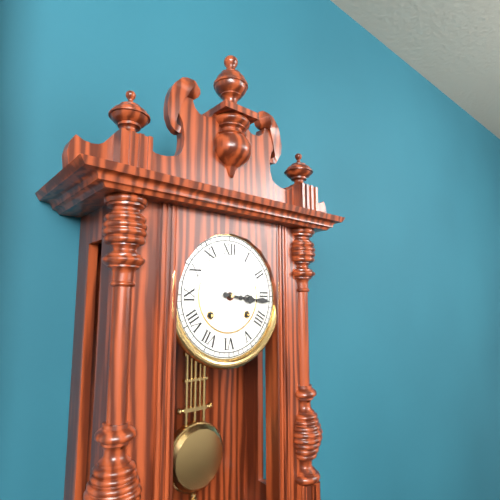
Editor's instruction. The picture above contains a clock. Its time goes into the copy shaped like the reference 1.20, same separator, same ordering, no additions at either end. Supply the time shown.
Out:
3.16
